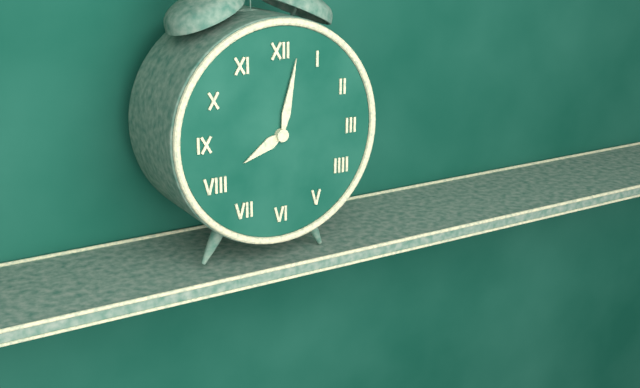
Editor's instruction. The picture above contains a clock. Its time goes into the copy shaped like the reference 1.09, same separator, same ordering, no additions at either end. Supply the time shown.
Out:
8.02
